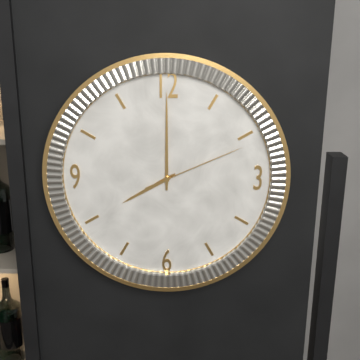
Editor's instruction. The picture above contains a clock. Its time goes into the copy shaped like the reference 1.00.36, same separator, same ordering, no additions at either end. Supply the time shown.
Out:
8.00.11
